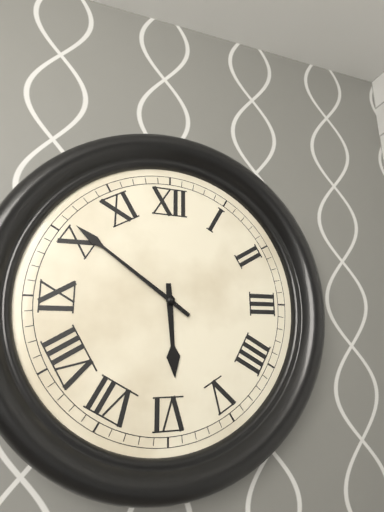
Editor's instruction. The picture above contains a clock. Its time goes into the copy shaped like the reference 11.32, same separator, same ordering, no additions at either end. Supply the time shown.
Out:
5.51
